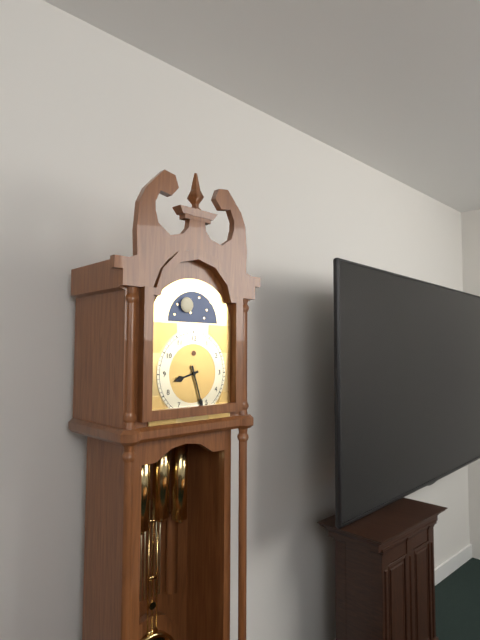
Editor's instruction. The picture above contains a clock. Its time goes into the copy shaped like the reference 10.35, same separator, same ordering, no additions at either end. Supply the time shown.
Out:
8.27
